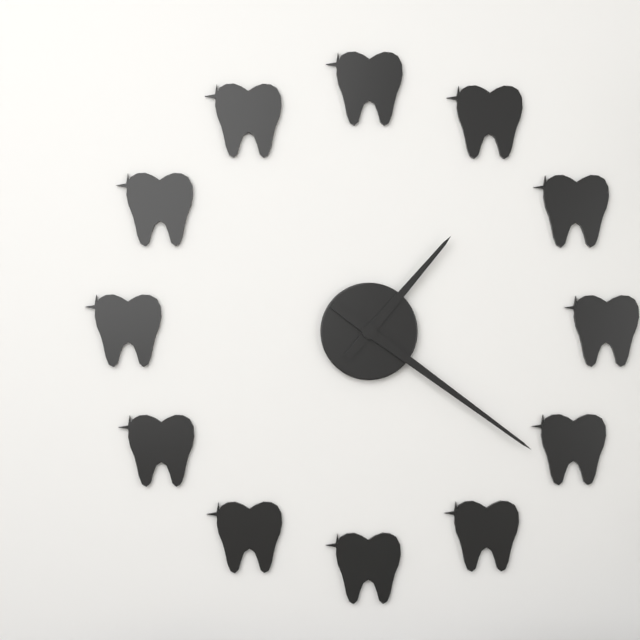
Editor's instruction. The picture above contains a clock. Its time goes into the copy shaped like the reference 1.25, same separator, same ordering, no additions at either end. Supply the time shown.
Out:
1.21
